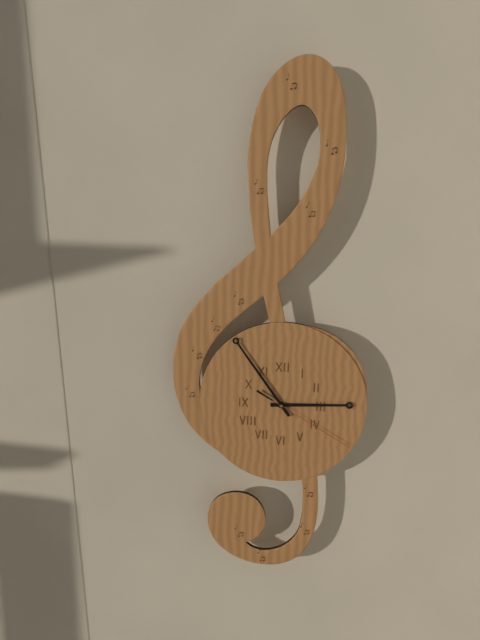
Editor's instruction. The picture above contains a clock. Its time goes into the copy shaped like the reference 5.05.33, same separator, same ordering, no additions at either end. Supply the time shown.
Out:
2.54.20
